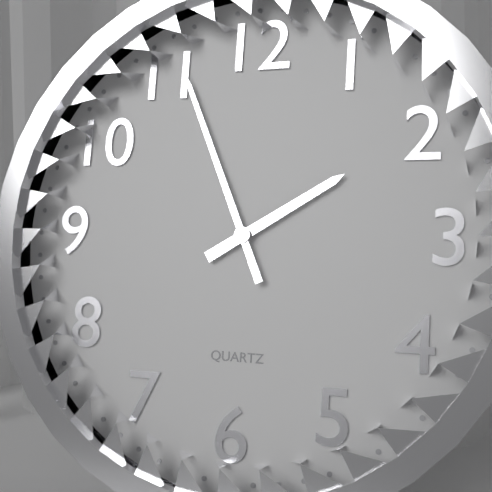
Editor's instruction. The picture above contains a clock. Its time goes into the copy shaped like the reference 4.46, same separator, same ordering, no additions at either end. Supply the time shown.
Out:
1.56
